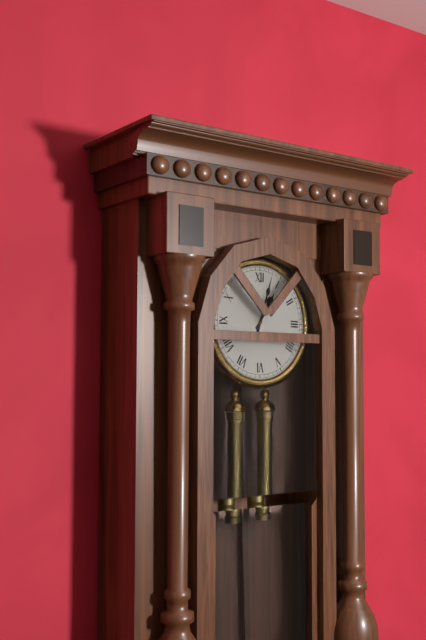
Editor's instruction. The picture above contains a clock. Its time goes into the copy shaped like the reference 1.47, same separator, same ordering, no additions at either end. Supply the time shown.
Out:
1.03
